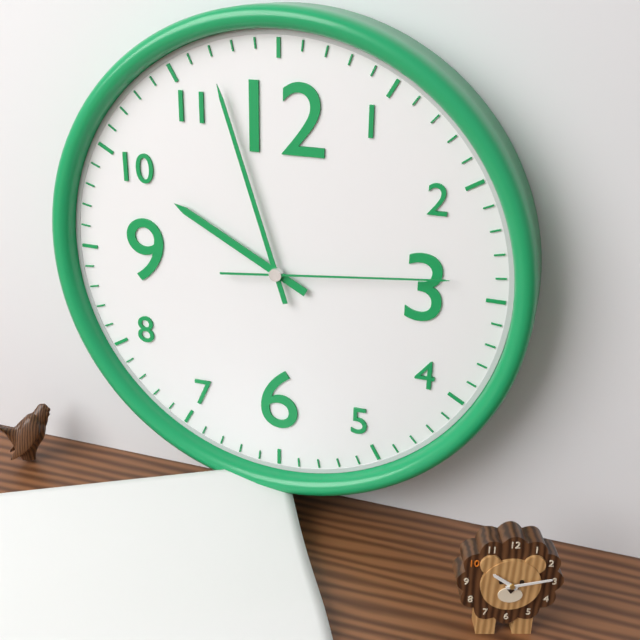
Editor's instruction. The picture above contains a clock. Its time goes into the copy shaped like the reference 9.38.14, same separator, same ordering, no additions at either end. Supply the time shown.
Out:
9.57.14
